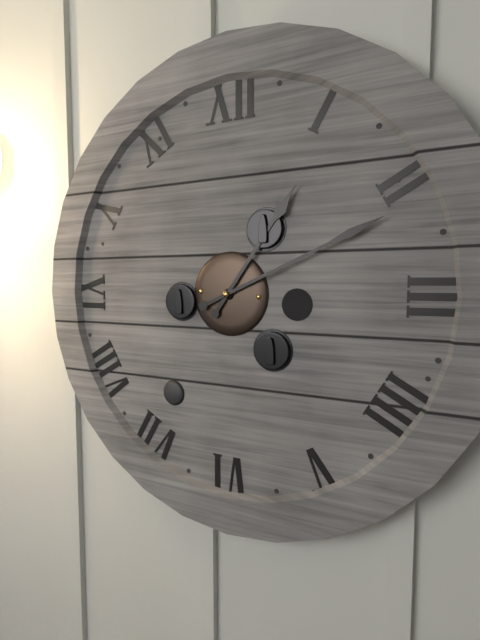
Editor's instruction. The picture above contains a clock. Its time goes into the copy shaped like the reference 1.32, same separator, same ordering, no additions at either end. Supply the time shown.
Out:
1.11
